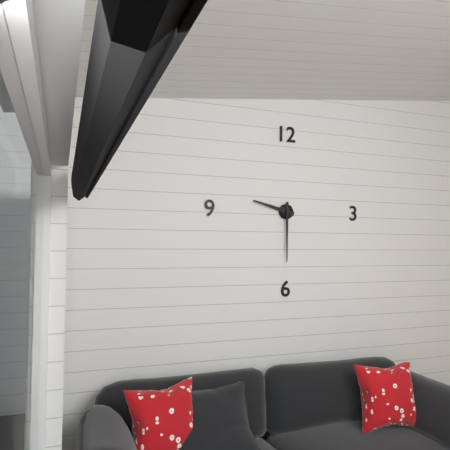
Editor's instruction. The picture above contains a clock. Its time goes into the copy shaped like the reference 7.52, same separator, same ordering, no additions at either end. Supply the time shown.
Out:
9.30
